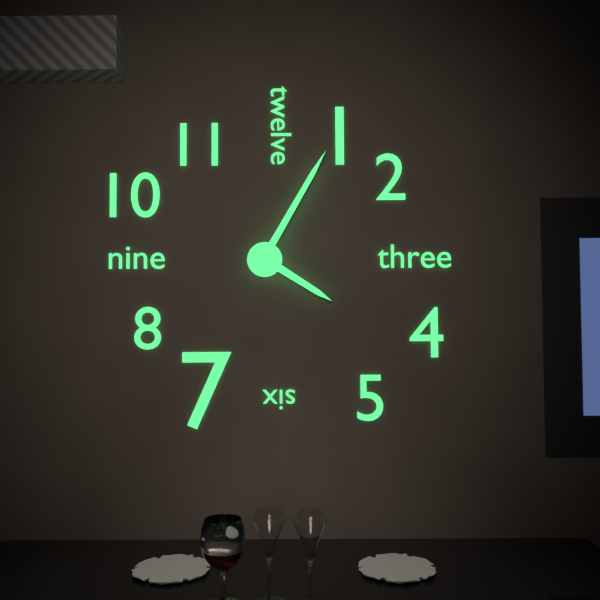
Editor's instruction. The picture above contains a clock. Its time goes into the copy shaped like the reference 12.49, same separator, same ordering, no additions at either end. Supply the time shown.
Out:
4.05
